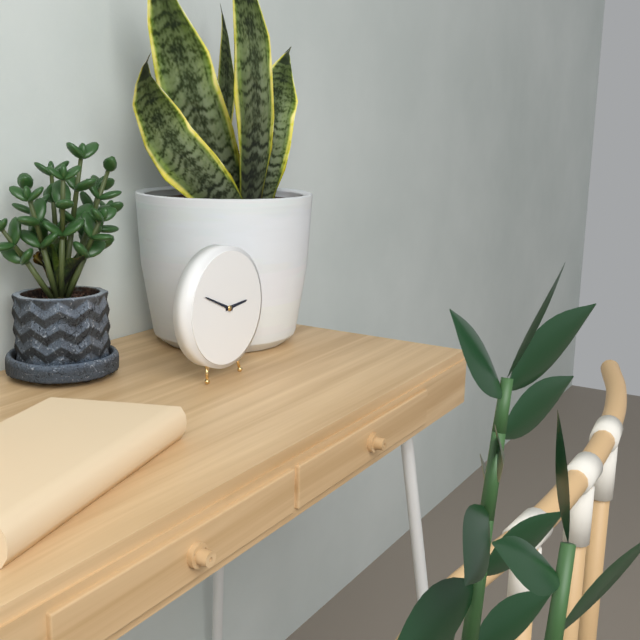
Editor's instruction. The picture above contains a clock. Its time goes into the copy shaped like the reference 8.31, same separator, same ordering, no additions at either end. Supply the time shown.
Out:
2.49
